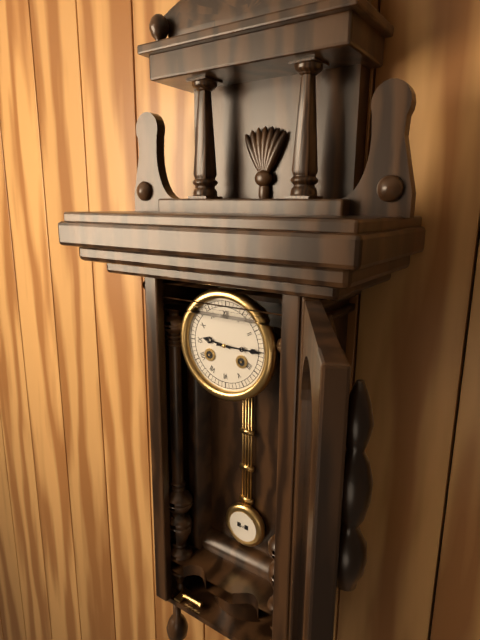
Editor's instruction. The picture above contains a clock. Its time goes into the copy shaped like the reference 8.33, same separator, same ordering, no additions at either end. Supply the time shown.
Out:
9.15
